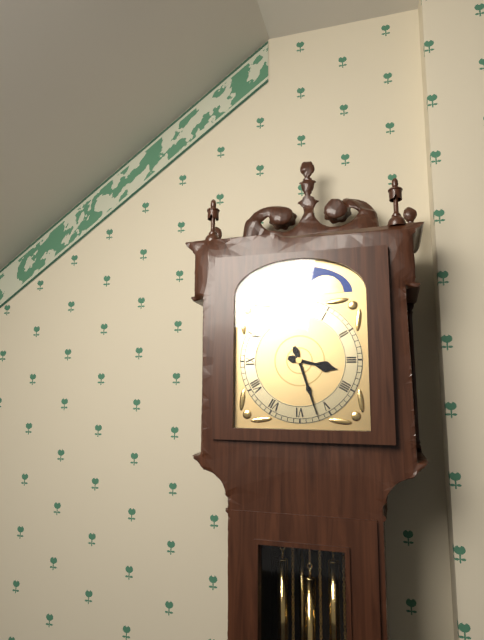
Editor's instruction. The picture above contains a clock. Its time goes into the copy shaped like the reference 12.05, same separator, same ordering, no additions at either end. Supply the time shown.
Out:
3.27
